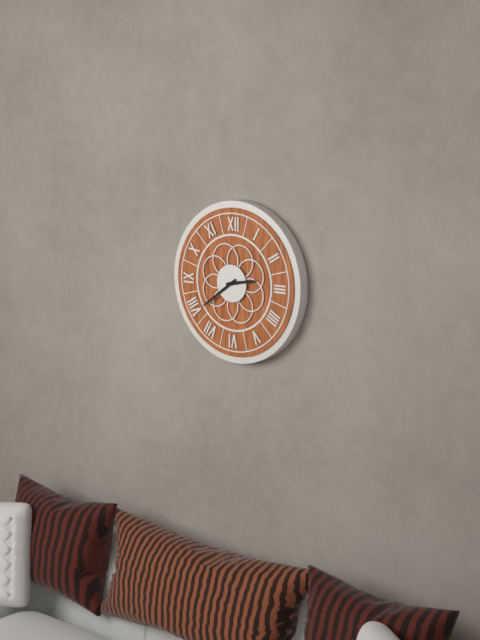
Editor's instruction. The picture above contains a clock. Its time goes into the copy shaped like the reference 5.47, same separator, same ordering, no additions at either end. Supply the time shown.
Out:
2.39
